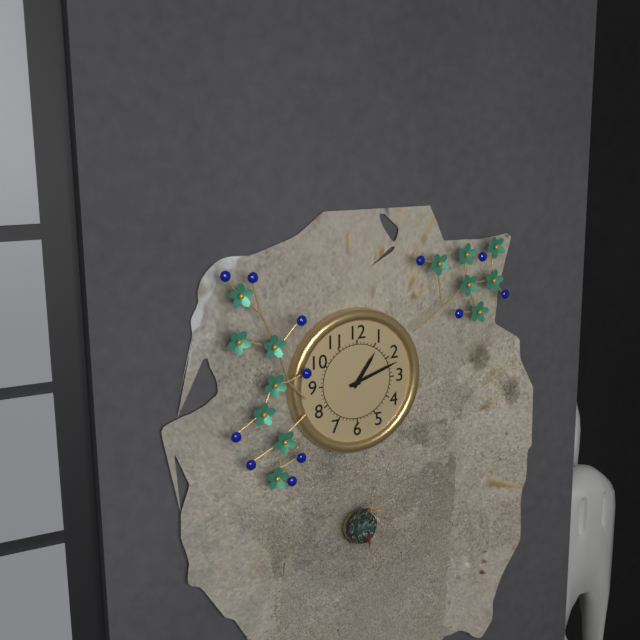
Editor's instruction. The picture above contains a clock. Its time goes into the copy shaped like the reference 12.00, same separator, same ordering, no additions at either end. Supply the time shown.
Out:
1.12
